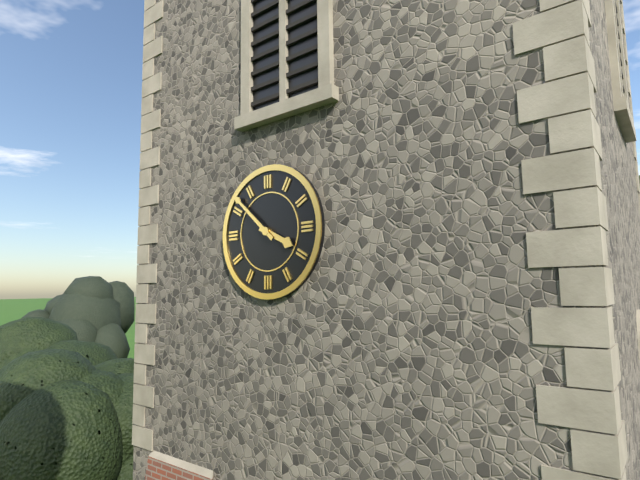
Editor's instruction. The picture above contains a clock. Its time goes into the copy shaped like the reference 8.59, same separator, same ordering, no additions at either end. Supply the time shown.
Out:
3.52
